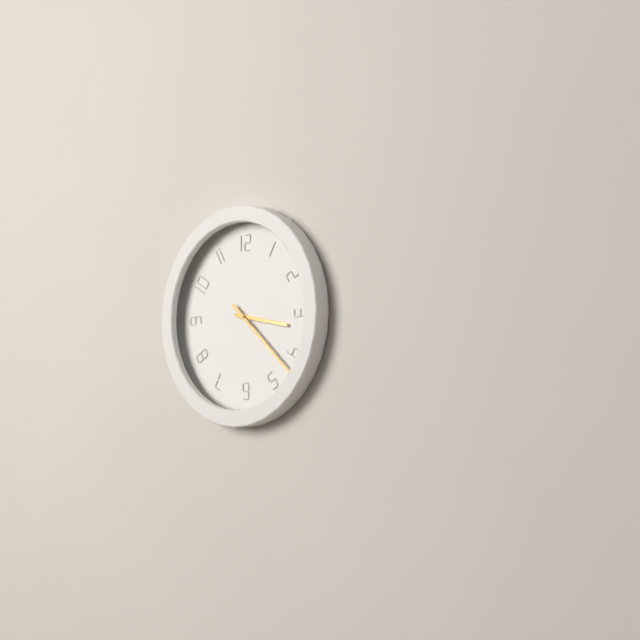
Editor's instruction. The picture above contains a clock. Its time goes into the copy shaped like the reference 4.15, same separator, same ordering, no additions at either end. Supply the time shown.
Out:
3.22
